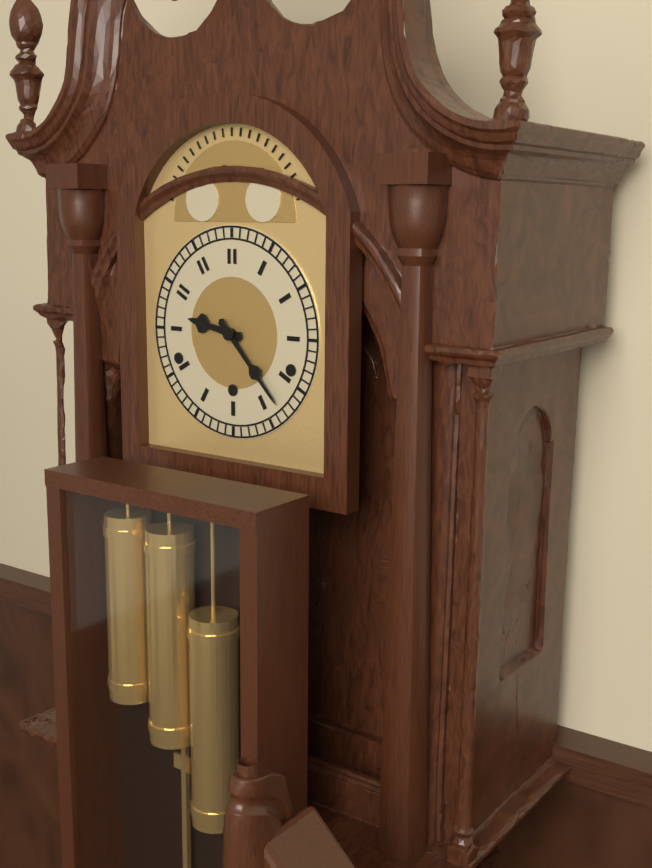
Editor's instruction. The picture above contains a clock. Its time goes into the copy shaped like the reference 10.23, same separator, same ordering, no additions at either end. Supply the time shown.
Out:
9.23
